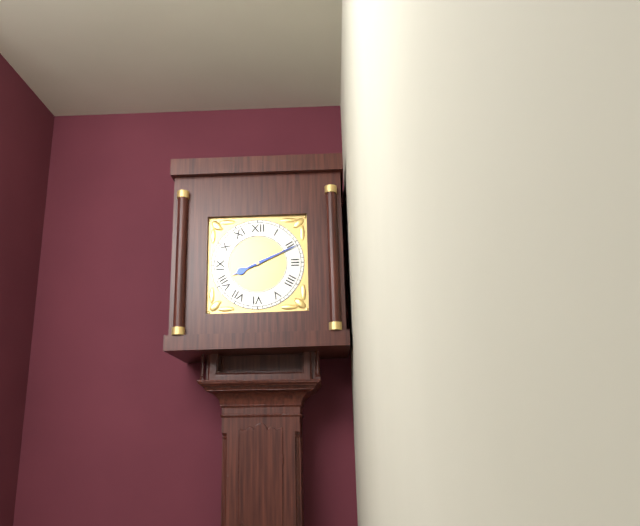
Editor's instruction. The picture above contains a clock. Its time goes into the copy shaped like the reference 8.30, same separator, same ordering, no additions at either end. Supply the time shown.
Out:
8.11
